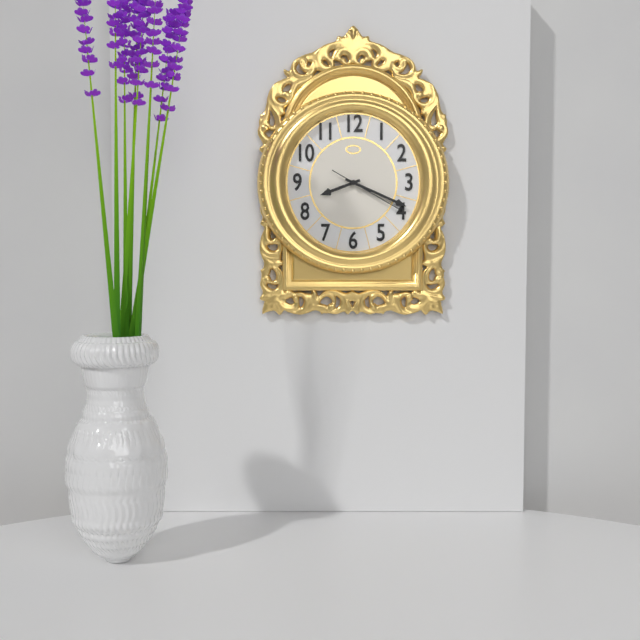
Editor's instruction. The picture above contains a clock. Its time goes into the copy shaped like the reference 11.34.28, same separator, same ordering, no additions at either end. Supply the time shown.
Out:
8.19.20
